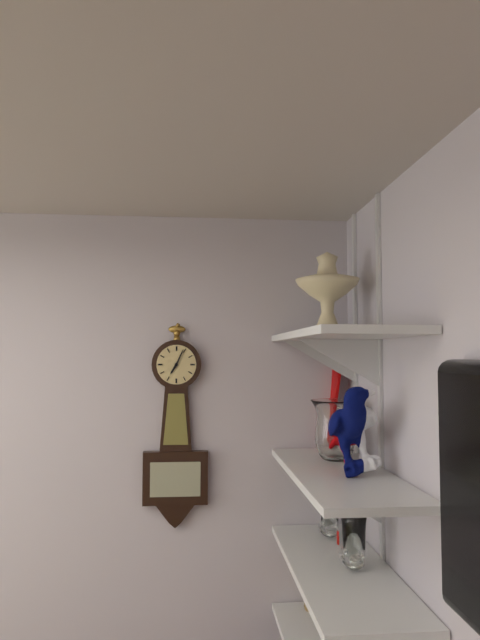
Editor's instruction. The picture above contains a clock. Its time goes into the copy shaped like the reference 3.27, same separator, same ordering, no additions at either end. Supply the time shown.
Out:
7.04
